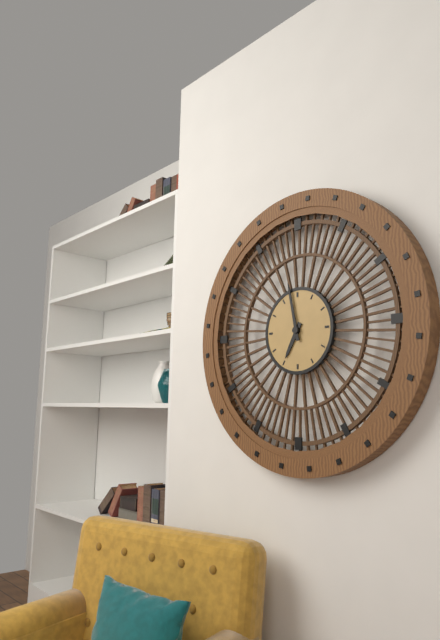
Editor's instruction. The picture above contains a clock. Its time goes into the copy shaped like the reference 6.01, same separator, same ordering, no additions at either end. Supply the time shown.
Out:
6.58
